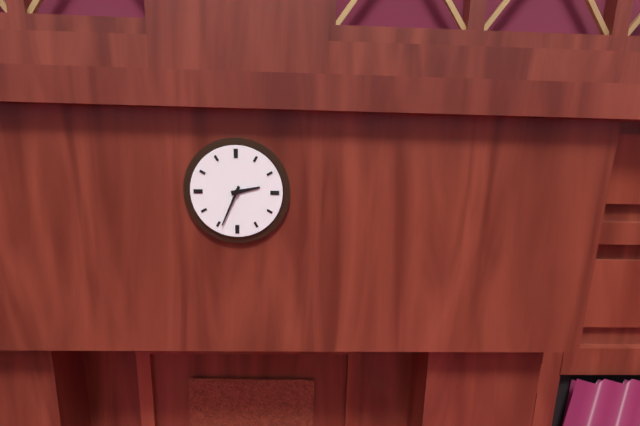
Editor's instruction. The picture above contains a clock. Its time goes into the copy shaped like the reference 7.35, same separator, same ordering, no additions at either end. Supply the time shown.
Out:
2.34
